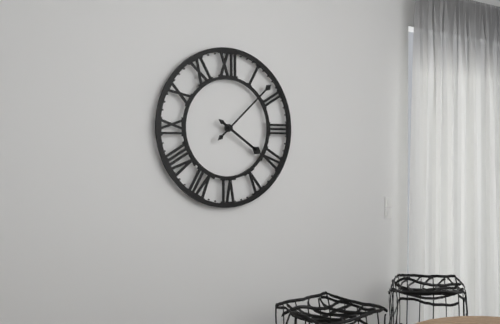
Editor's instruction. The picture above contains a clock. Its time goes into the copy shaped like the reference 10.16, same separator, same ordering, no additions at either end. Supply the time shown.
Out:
4.08
